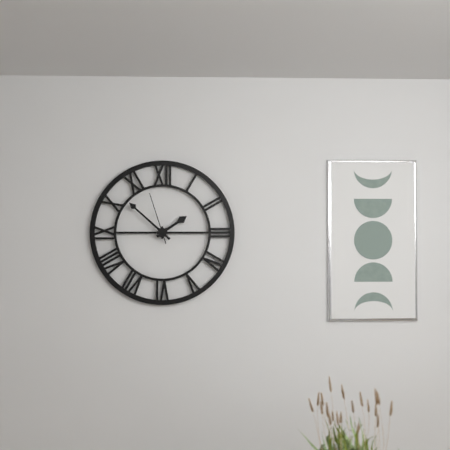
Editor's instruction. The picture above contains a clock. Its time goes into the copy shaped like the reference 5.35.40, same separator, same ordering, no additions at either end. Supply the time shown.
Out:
1.52.57
